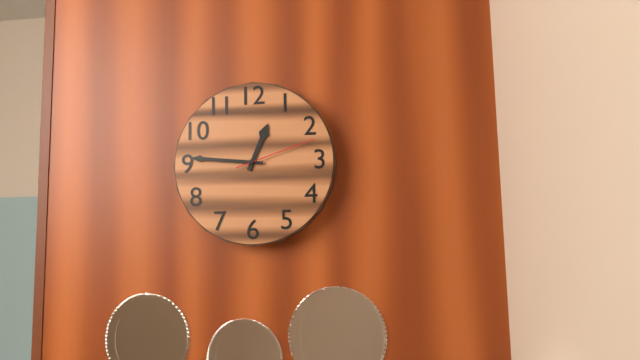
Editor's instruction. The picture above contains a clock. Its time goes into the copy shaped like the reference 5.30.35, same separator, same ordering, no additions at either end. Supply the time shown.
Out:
12.46.12
